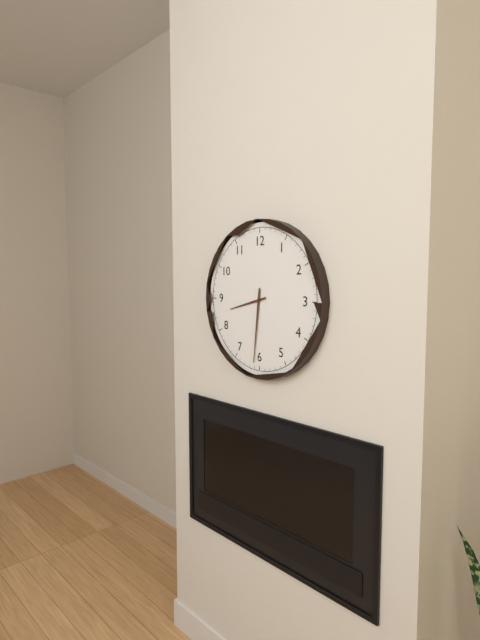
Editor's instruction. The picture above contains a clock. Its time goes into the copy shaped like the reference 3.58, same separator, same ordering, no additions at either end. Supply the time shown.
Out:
8.31
